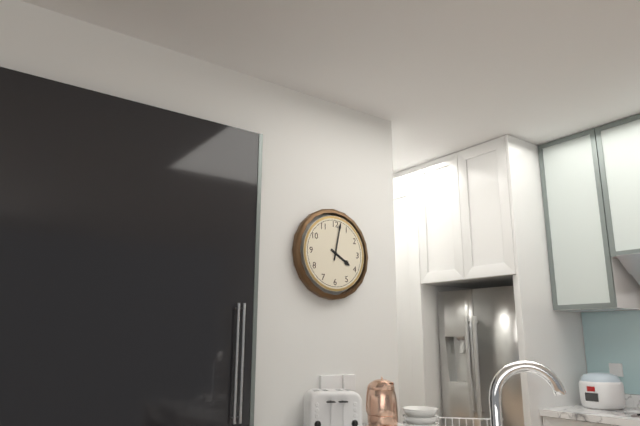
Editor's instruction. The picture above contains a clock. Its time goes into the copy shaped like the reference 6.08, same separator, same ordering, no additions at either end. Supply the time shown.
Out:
4.02
